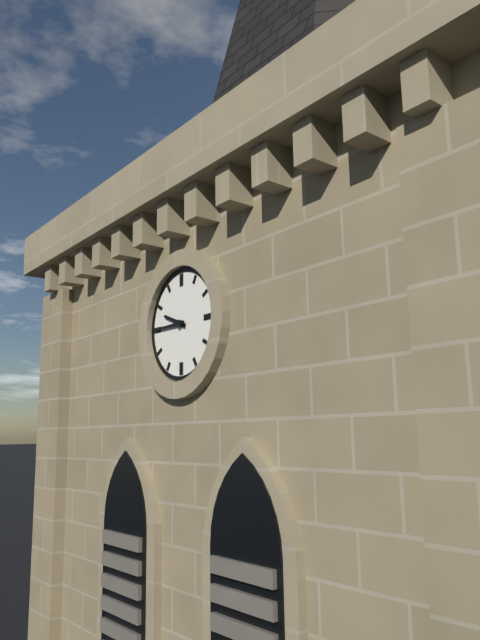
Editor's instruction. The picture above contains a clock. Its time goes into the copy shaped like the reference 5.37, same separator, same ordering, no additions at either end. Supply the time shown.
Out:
9.45
